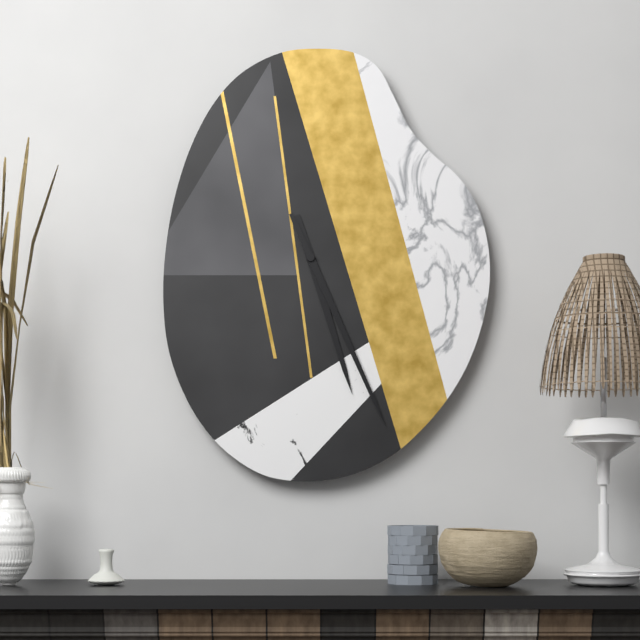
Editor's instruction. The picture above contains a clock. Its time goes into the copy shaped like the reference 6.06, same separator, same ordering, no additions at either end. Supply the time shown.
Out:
5.26
